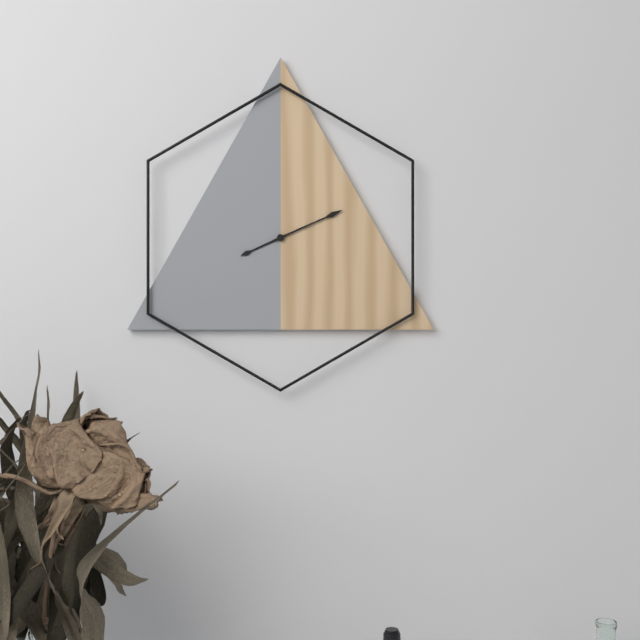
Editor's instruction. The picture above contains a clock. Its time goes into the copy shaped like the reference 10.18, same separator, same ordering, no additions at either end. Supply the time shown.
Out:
8.11
